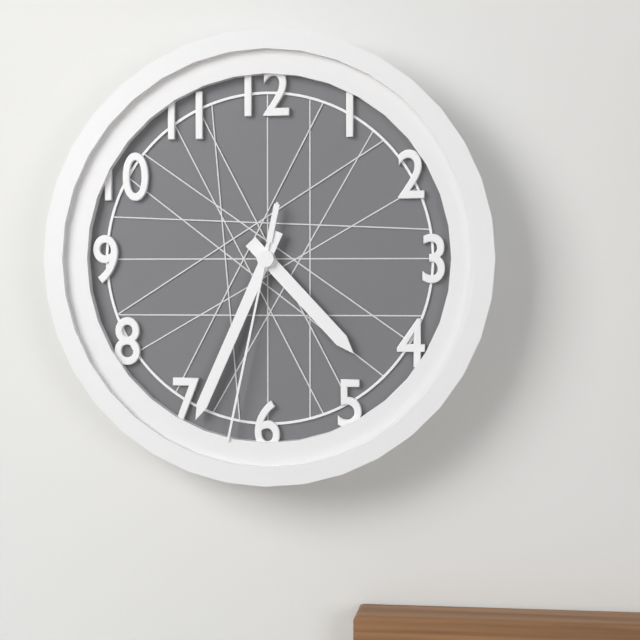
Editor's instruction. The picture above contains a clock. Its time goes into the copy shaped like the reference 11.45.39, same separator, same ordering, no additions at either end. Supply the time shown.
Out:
4.34.32
